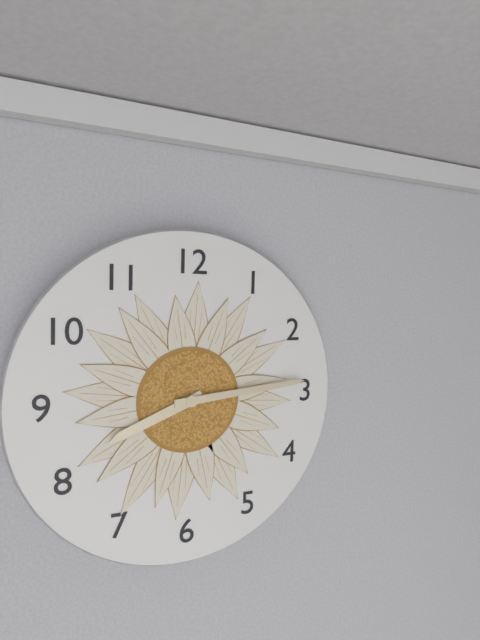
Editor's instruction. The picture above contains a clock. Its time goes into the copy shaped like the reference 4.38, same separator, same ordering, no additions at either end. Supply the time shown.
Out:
8.14
